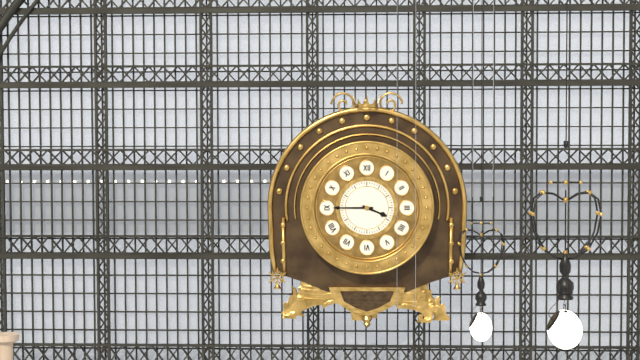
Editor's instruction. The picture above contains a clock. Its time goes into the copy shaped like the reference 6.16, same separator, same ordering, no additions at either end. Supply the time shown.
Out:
3.45
